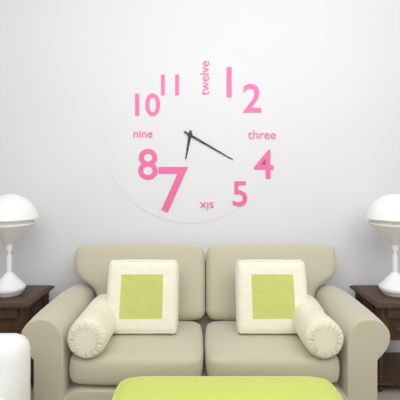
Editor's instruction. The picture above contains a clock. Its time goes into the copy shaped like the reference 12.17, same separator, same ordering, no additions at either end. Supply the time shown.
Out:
6.20
